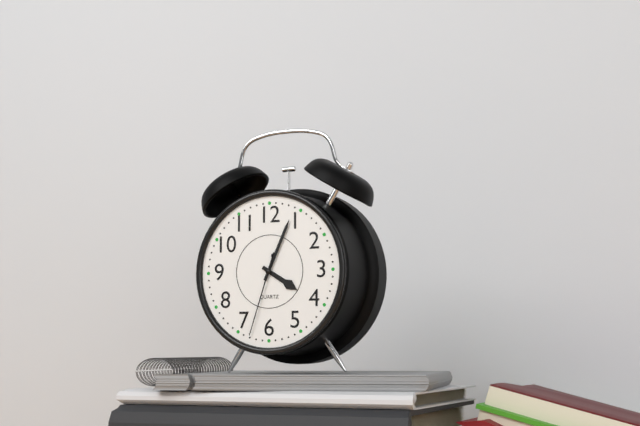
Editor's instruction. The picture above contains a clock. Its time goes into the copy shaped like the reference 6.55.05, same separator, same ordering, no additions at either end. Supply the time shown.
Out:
4.04.33
